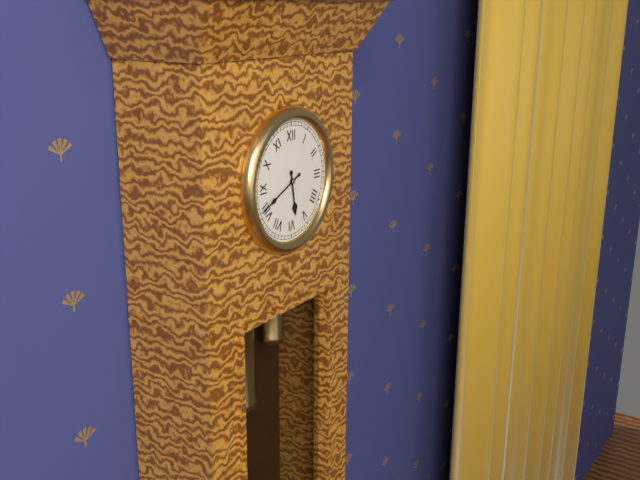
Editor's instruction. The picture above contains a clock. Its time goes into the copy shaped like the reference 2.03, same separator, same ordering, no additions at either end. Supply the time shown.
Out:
5.41
